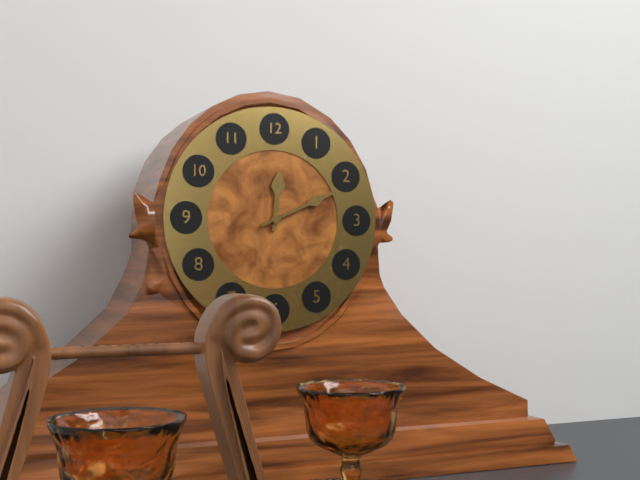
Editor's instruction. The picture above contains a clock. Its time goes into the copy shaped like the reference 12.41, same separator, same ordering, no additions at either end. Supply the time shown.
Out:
12.11
